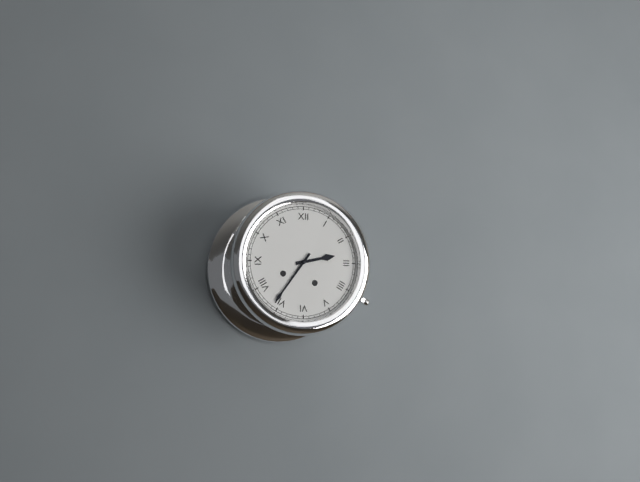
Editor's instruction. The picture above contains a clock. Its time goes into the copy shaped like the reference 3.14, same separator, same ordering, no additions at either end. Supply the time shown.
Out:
2.36
